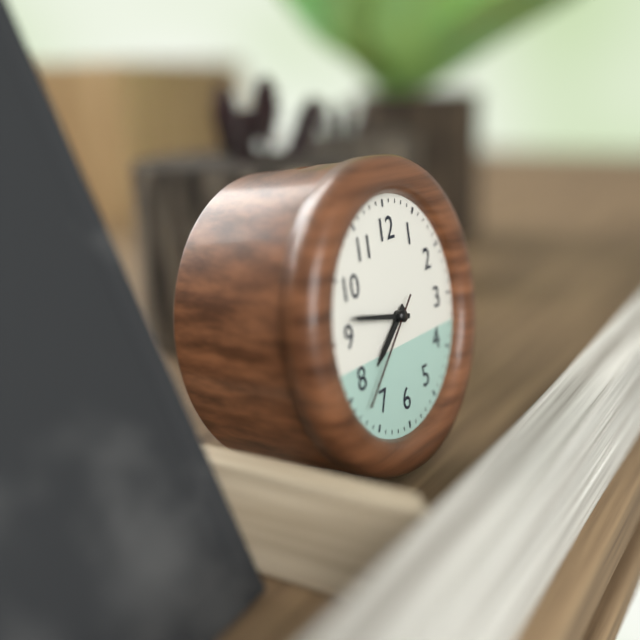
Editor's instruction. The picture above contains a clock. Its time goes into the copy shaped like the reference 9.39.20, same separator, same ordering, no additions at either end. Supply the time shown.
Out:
7.47.38
